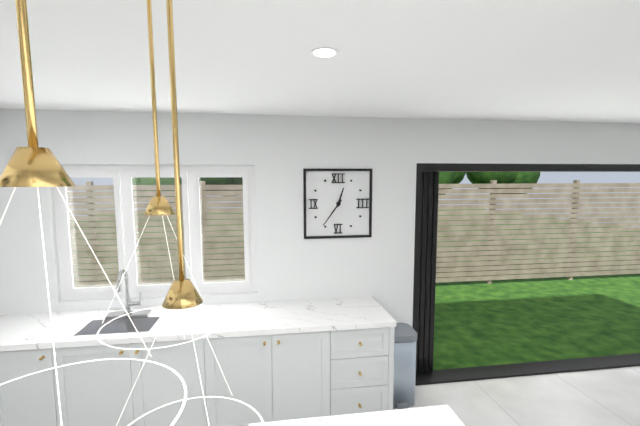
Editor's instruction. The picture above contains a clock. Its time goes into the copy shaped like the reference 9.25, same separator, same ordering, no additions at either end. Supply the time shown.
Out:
12.36
